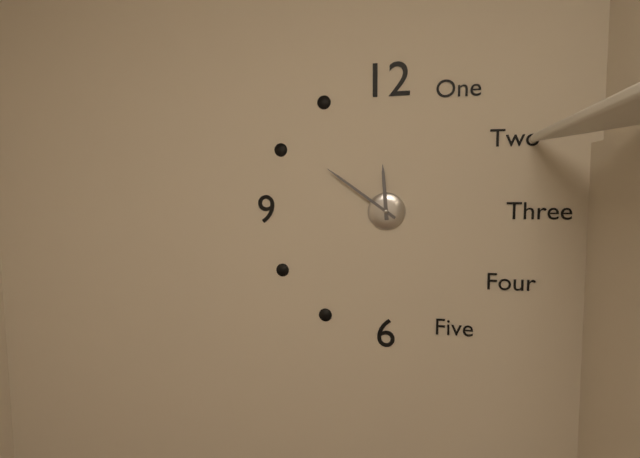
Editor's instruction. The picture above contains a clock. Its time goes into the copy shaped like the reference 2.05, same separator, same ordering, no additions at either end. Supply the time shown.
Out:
11.51
